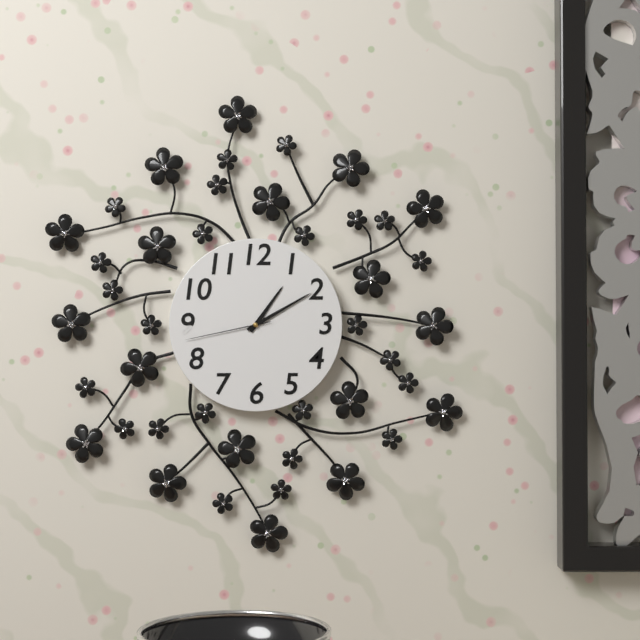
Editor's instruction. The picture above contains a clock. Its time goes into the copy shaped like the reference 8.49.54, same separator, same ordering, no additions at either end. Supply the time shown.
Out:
1.10.43
